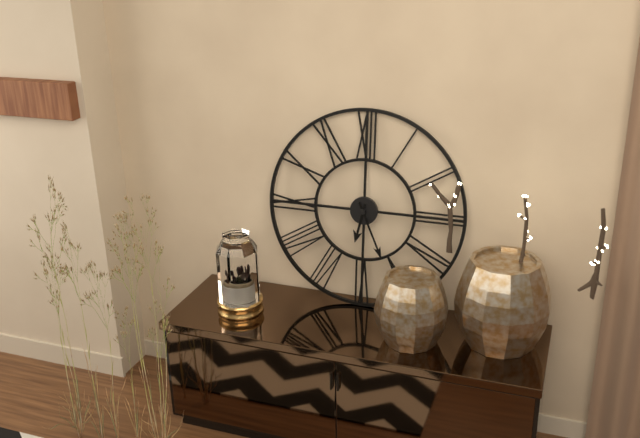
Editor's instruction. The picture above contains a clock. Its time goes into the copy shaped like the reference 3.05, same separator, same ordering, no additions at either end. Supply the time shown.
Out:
6.26
